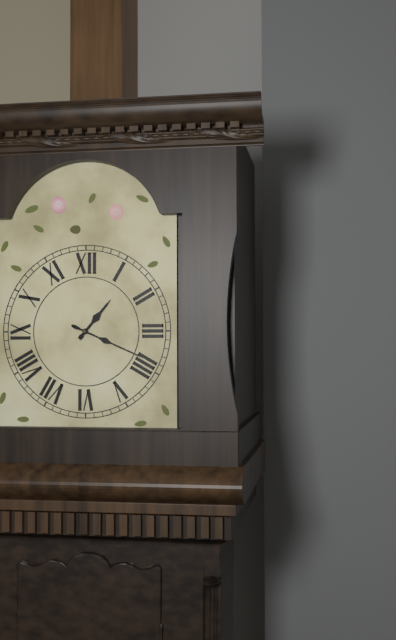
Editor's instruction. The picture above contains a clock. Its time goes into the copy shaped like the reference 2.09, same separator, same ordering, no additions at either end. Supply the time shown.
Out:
1.19
